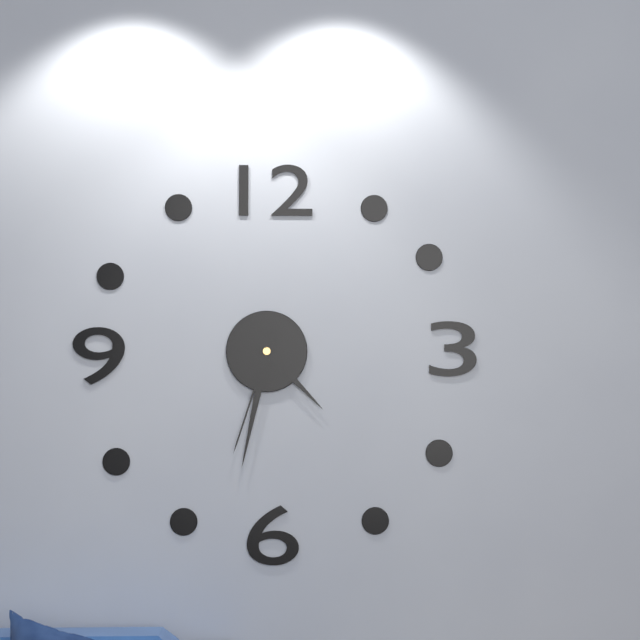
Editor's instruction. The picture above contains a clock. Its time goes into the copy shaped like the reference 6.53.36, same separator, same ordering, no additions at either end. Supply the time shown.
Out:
4.32.33
